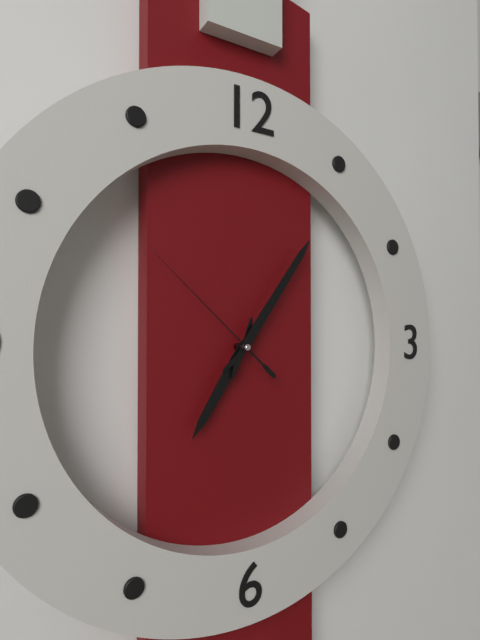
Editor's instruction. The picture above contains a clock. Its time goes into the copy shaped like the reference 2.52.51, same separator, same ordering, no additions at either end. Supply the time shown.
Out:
7.06.52
